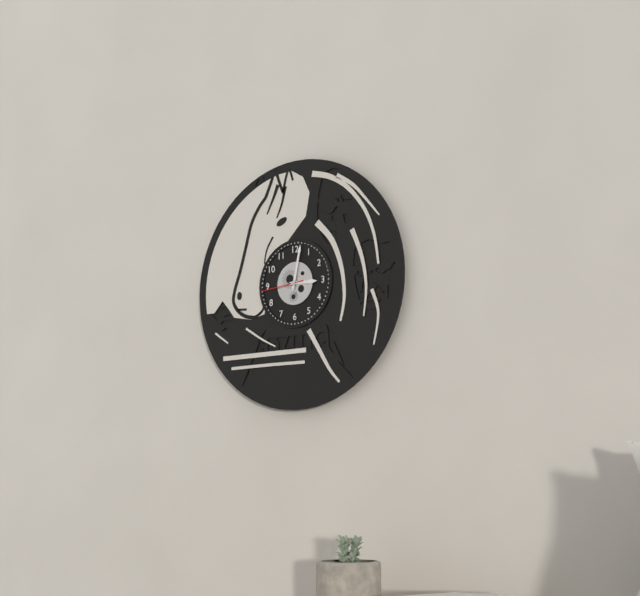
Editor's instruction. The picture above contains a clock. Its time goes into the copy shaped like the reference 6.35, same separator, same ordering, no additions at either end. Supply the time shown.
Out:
3.02
